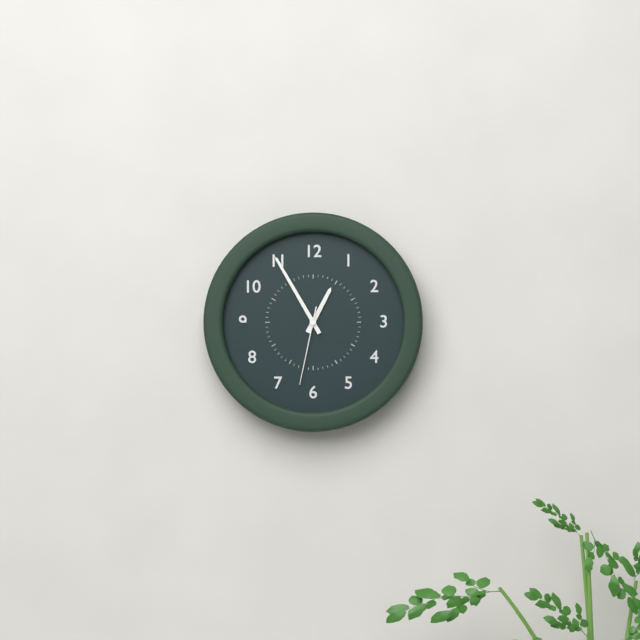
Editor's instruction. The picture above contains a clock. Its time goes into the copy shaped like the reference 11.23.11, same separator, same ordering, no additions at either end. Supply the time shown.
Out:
12.55.32
